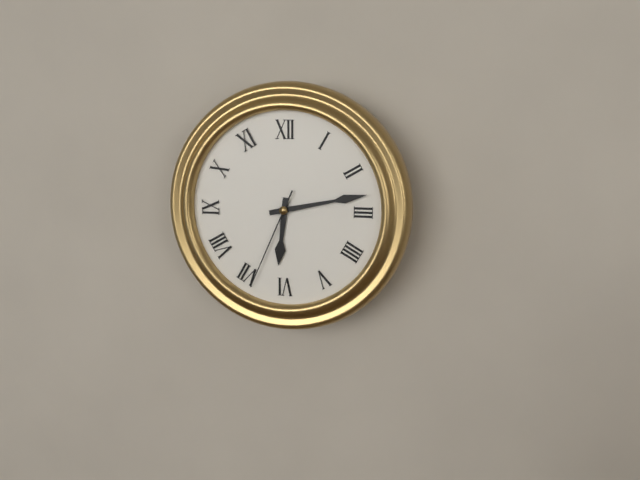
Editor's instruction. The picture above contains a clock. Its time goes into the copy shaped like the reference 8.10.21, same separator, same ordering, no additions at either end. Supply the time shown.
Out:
6.13.34
